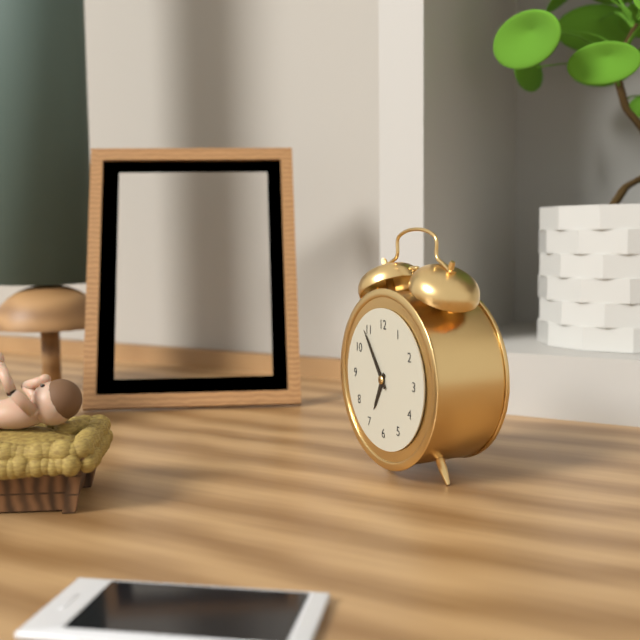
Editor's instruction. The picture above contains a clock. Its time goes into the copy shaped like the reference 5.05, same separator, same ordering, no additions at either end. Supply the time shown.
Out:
6.54
